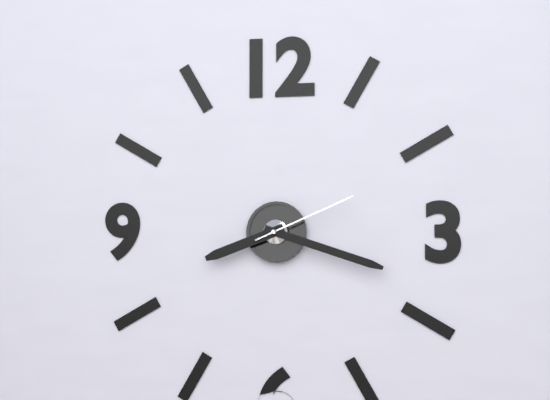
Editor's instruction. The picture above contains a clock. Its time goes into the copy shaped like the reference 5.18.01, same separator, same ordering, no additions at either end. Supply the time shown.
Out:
8.18.11
